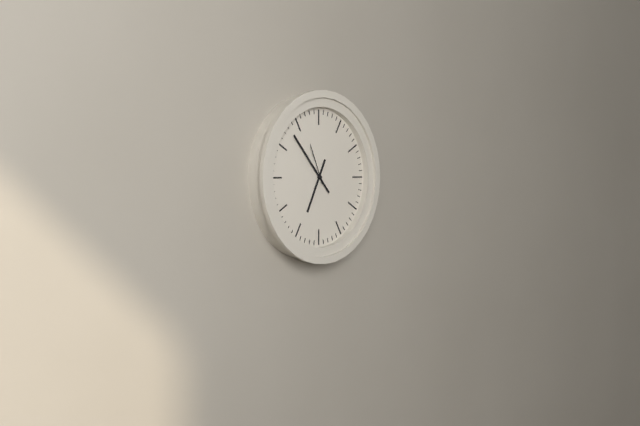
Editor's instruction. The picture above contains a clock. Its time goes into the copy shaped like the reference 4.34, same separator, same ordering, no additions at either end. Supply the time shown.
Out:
6.53
